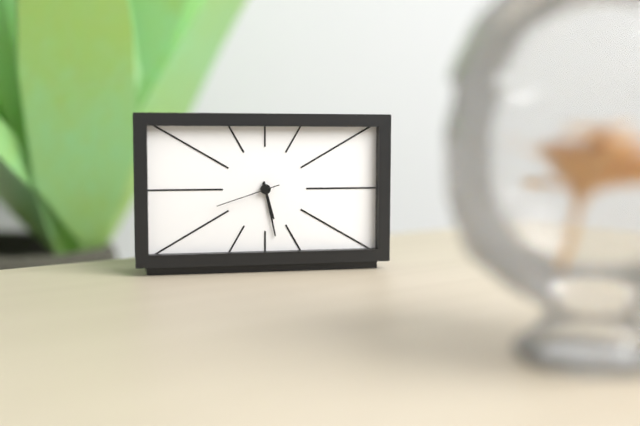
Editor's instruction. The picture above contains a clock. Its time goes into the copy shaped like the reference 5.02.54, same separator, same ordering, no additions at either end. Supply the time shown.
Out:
5.28.42
